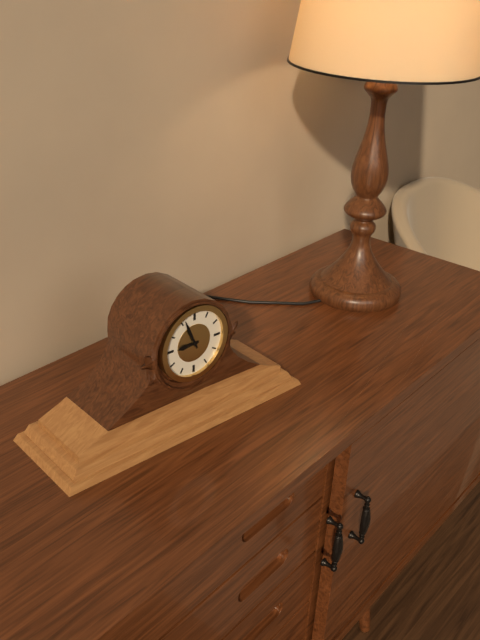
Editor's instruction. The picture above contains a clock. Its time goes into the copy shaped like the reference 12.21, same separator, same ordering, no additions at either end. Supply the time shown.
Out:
8.56
